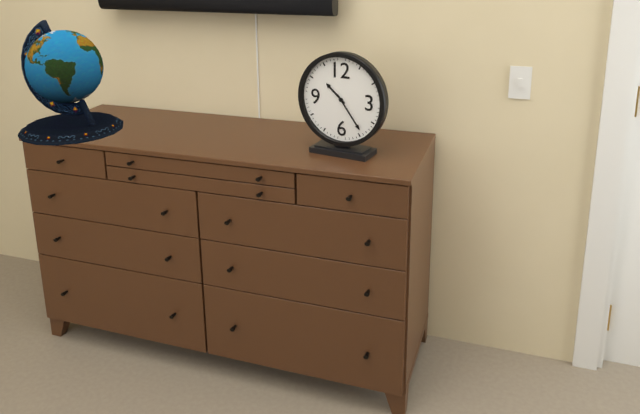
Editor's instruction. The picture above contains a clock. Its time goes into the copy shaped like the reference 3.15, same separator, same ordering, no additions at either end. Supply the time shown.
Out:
10.24
